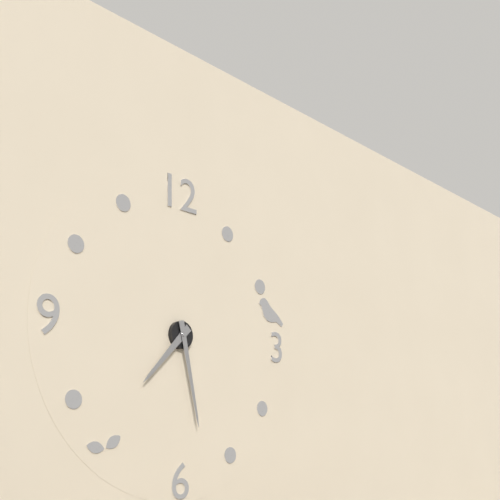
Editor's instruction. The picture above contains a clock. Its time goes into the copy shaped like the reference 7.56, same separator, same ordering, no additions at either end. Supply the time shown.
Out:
7.28
